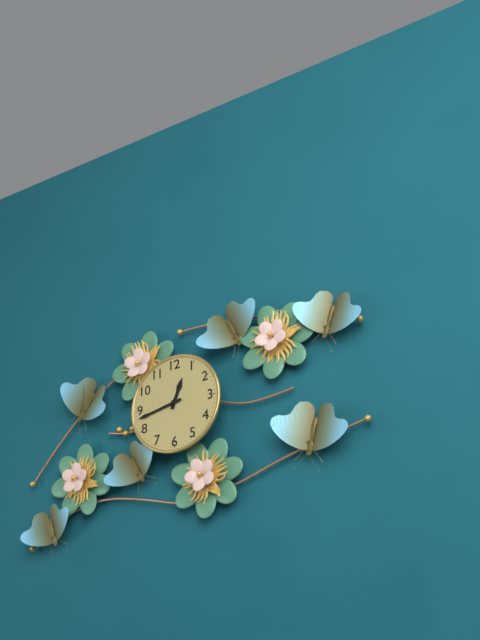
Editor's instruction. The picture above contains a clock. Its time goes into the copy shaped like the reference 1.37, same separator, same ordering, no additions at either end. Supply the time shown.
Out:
12.43
